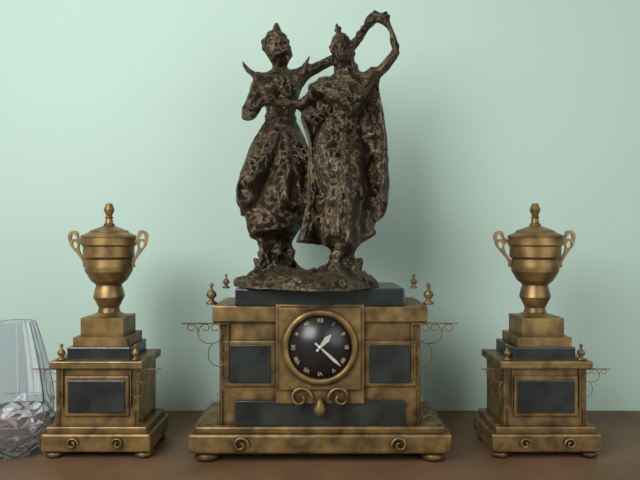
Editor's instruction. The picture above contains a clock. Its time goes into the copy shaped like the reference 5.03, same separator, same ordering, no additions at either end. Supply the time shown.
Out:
1.22
